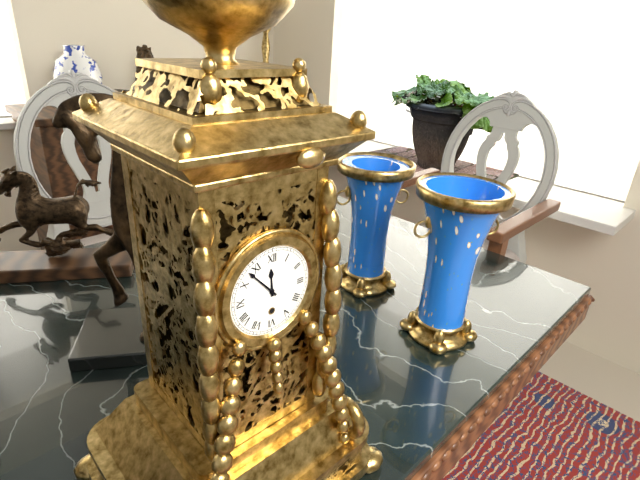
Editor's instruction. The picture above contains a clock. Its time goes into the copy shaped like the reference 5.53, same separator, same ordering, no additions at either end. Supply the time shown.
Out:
11.53
